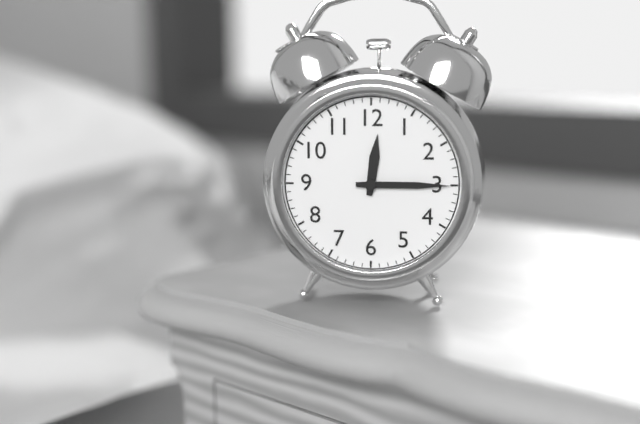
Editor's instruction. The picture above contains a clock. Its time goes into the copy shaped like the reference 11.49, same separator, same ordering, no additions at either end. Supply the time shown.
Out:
12.15
